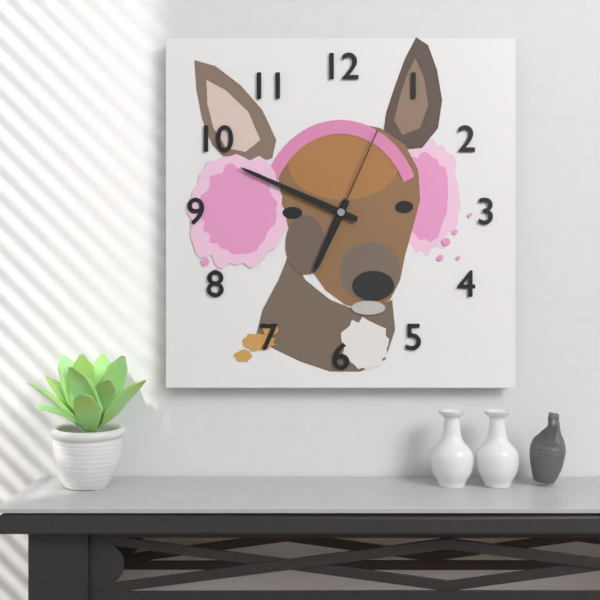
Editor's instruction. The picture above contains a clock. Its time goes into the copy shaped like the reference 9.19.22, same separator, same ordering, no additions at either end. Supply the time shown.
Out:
6.49.04
